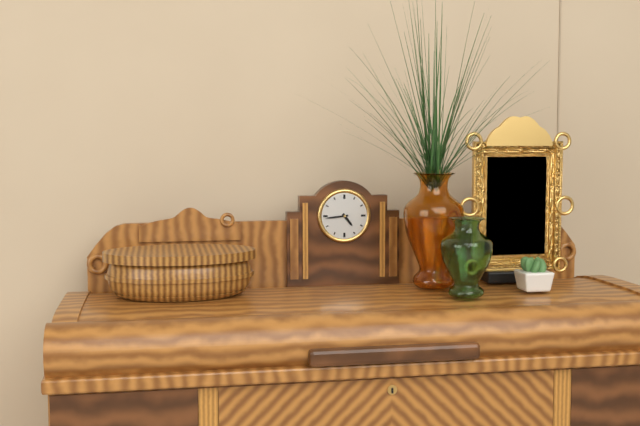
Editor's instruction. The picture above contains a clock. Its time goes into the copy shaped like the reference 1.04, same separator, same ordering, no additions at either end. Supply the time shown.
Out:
4.44
